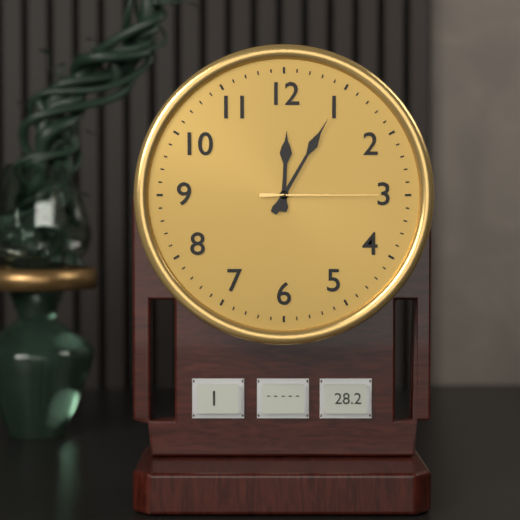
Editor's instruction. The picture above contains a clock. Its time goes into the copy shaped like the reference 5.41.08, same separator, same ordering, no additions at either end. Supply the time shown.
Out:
12.05.15
